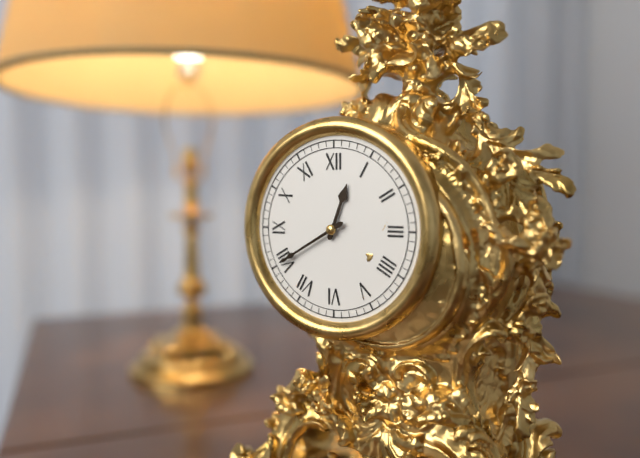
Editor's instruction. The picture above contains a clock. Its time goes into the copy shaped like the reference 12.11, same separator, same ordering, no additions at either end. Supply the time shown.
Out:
12.40
